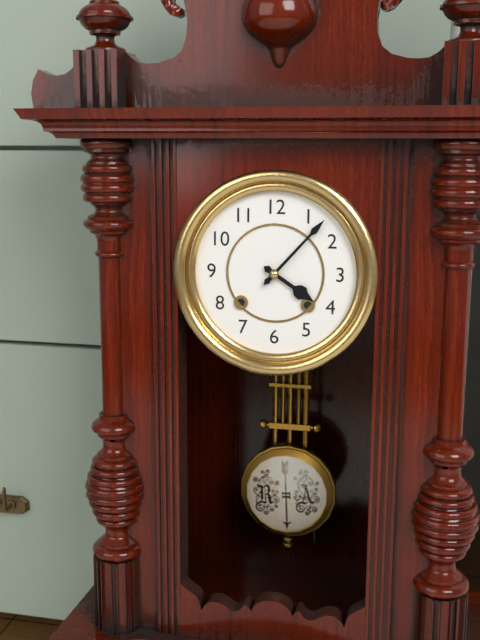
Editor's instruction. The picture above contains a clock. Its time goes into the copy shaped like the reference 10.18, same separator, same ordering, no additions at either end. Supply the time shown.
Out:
4.07
